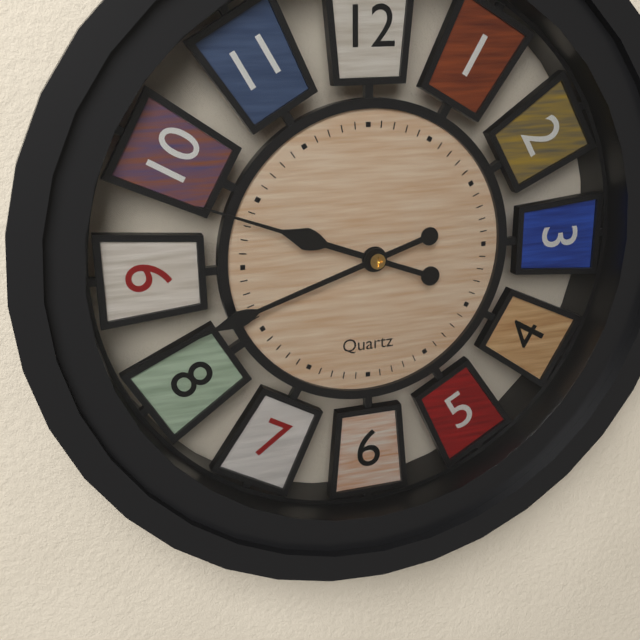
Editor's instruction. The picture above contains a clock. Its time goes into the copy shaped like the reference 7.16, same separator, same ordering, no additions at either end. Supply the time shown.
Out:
9.42
